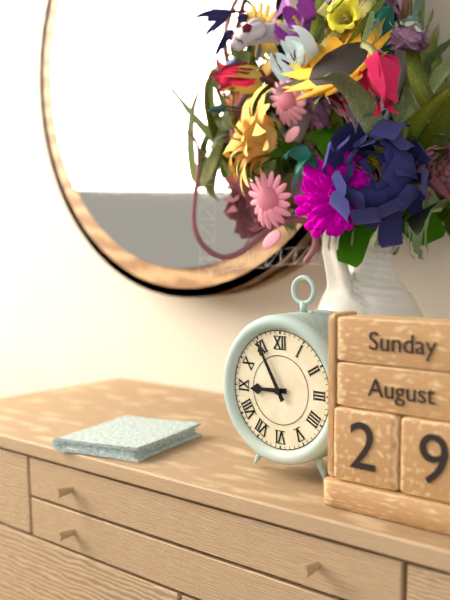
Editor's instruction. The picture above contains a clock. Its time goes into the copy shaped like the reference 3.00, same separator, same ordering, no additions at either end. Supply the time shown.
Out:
8.55
